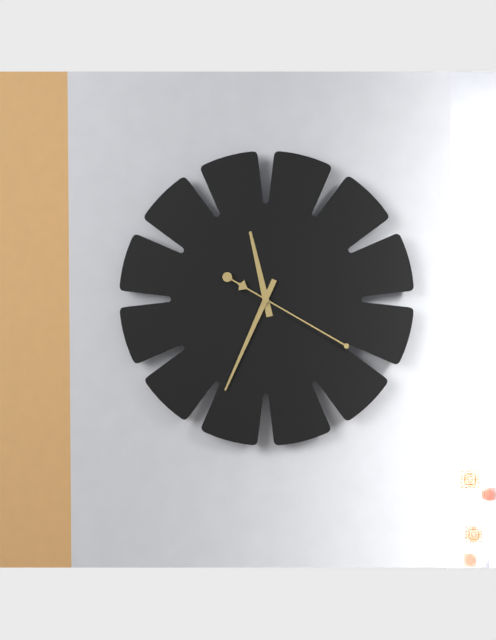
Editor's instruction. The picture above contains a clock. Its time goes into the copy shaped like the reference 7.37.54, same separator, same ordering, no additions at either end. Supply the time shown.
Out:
11.34.20
